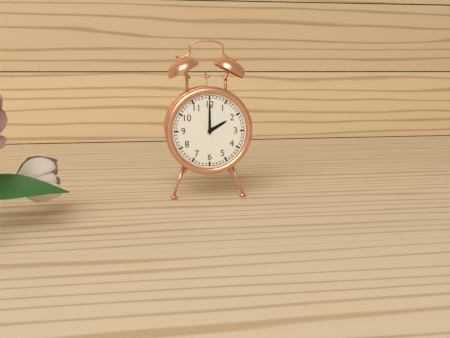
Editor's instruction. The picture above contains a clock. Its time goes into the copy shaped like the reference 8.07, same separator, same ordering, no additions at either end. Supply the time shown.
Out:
2.00
